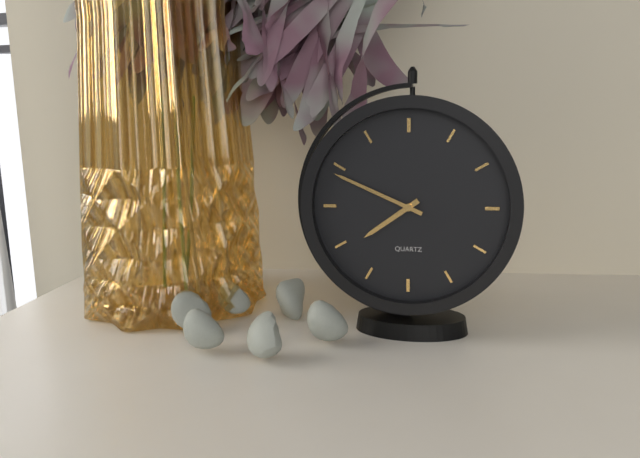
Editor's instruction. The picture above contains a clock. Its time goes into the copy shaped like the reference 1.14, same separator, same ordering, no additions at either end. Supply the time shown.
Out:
7.49
